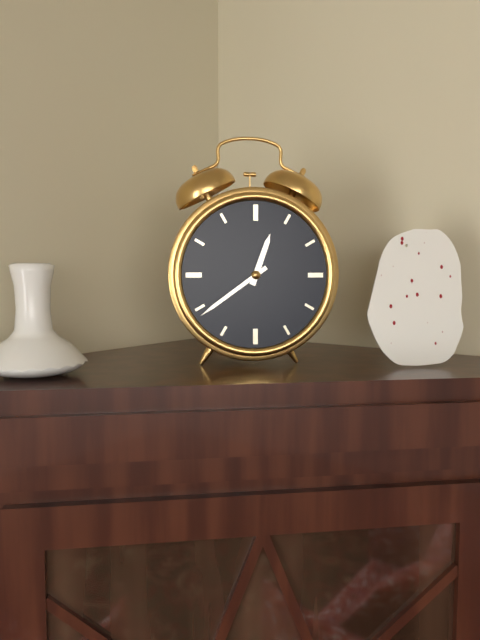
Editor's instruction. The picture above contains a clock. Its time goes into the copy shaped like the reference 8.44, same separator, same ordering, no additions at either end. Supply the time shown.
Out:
12.39
